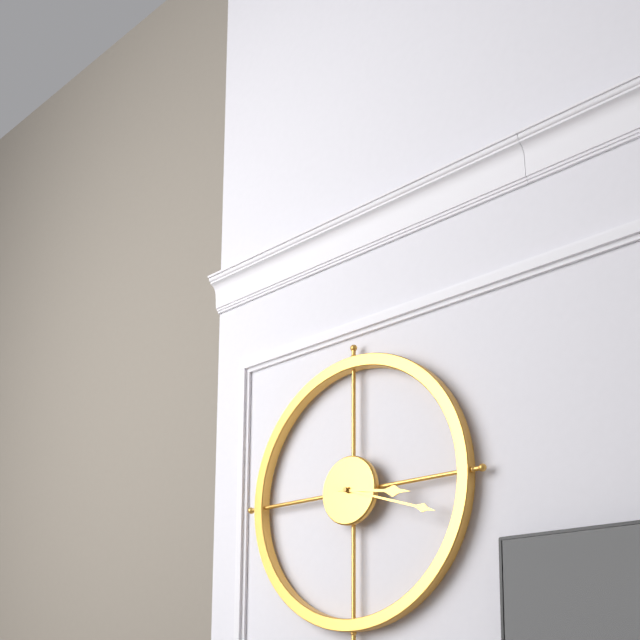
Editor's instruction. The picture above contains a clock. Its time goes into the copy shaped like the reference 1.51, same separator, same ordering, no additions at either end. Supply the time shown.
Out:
3.18
